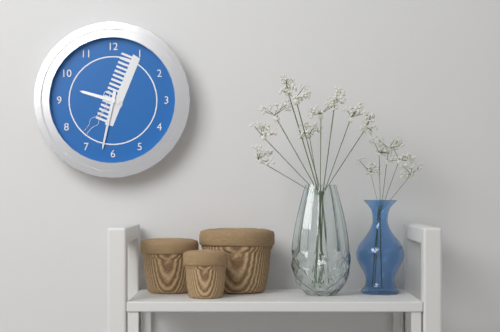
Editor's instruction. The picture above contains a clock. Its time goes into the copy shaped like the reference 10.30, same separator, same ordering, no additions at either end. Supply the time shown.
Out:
9.32
